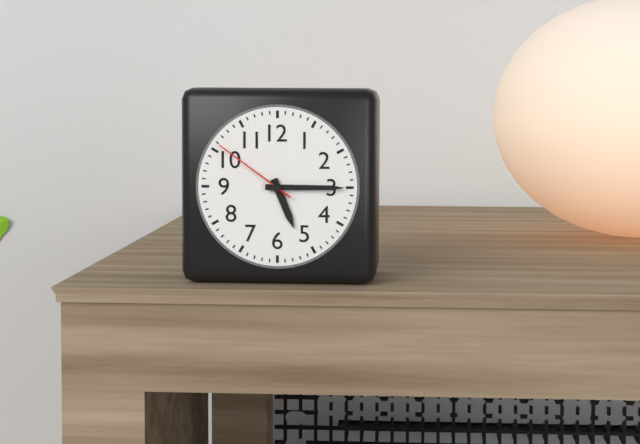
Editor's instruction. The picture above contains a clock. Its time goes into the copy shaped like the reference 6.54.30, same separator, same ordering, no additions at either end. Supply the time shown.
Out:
5.15.51
